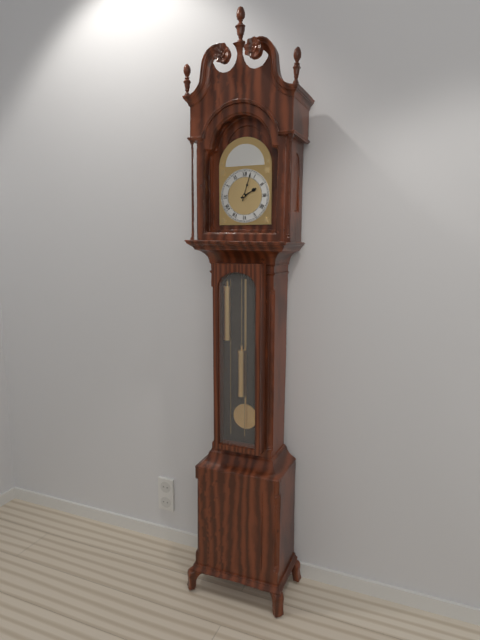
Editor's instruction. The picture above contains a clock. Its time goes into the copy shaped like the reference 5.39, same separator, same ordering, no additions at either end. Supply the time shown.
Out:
2.03
